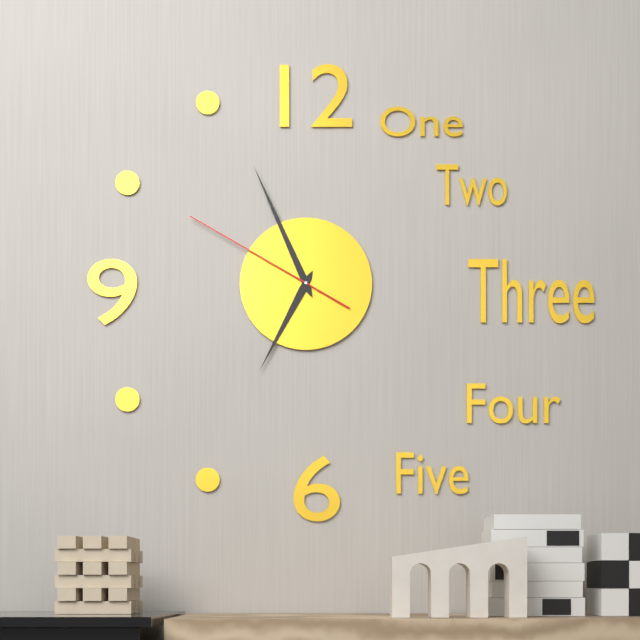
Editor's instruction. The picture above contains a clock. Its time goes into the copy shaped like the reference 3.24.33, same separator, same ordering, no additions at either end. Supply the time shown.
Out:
6.56.50
